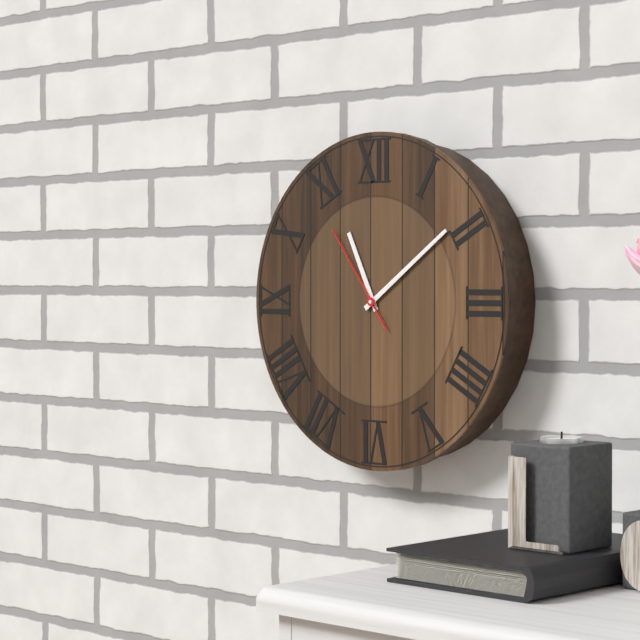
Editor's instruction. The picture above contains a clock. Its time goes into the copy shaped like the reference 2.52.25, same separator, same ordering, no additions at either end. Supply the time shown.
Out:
11.09.54
